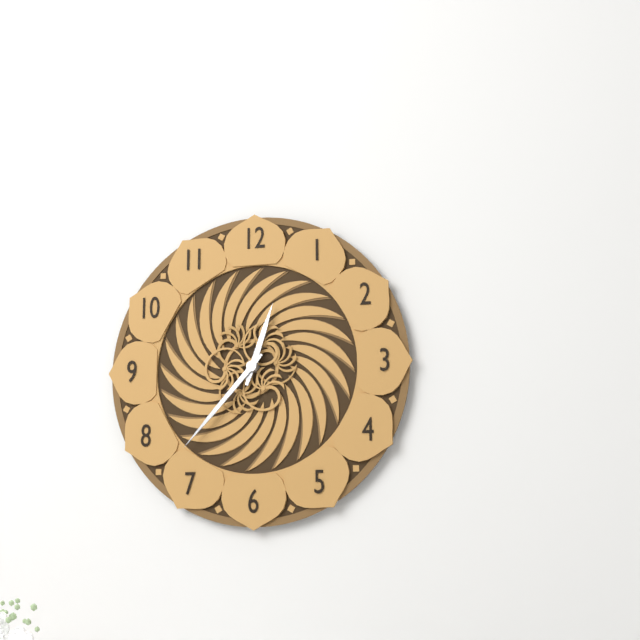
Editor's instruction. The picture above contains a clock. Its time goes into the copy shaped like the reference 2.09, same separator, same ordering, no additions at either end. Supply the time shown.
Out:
12.37
